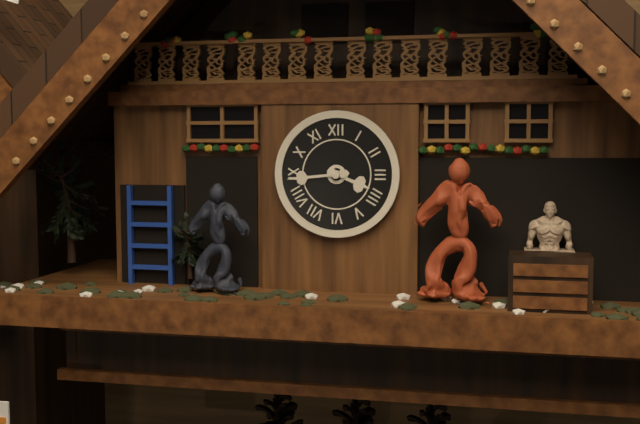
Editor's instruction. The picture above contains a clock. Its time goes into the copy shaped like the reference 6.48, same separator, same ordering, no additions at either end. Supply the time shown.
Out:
3.44
